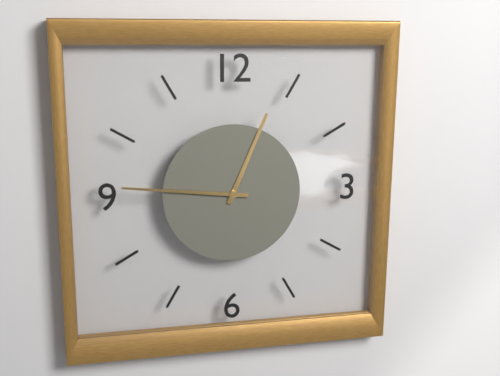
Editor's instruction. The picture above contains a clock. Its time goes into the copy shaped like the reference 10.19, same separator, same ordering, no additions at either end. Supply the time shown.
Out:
12.46
